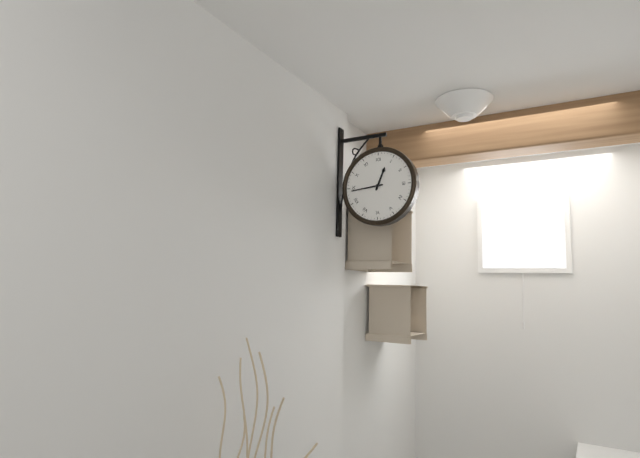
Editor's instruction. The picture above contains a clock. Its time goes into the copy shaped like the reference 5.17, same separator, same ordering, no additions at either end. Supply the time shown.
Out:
12.44
